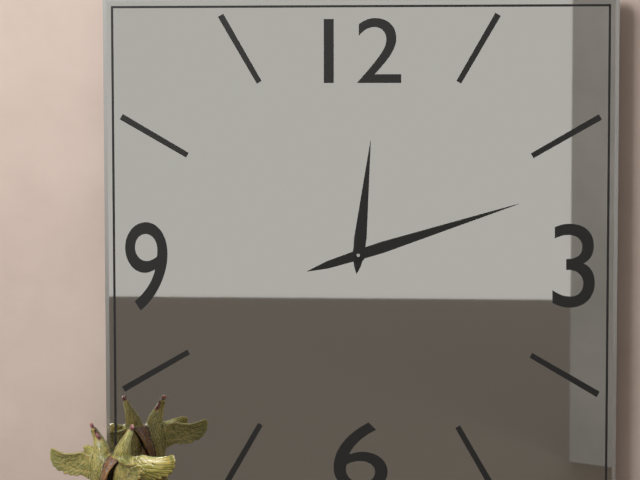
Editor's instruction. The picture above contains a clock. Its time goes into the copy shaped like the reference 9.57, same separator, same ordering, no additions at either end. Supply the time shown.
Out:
12.12
